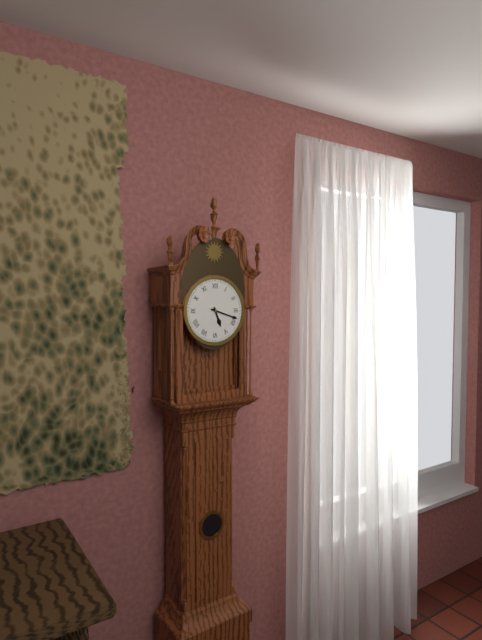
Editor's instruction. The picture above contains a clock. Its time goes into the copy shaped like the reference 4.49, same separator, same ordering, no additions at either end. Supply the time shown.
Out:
5.18
